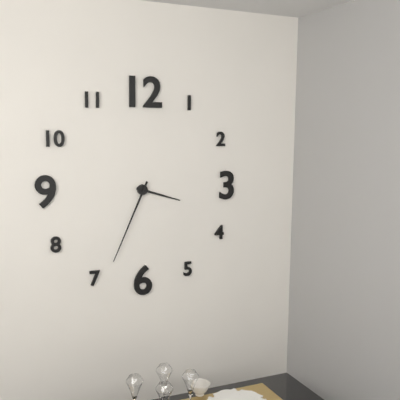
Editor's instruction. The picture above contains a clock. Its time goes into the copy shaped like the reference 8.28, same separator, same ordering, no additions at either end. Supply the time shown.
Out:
3.34
